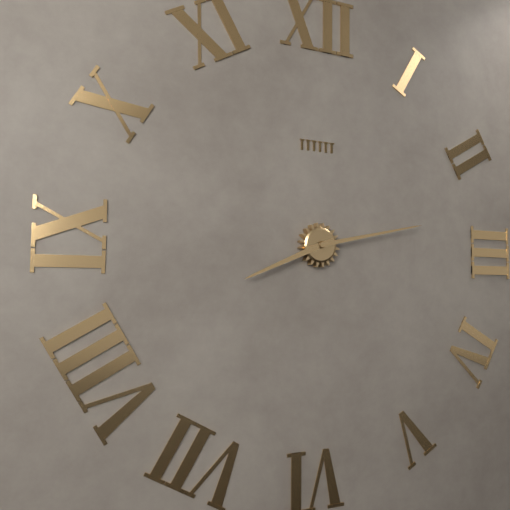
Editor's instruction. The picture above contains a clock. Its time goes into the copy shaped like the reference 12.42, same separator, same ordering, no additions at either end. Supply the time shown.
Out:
8.13
